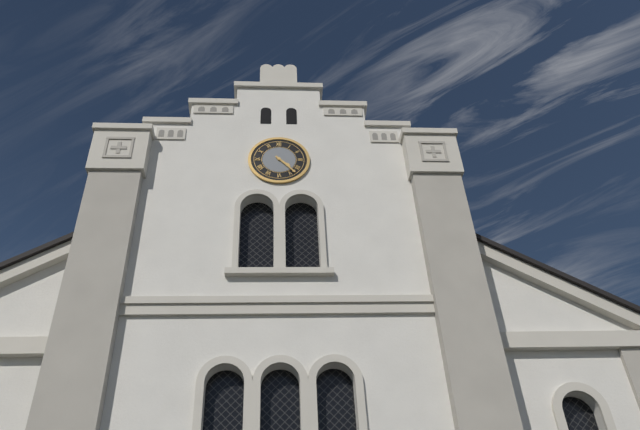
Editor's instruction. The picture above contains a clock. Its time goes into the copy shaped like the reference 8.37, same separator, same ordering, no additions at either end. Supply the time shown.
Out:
4.23
